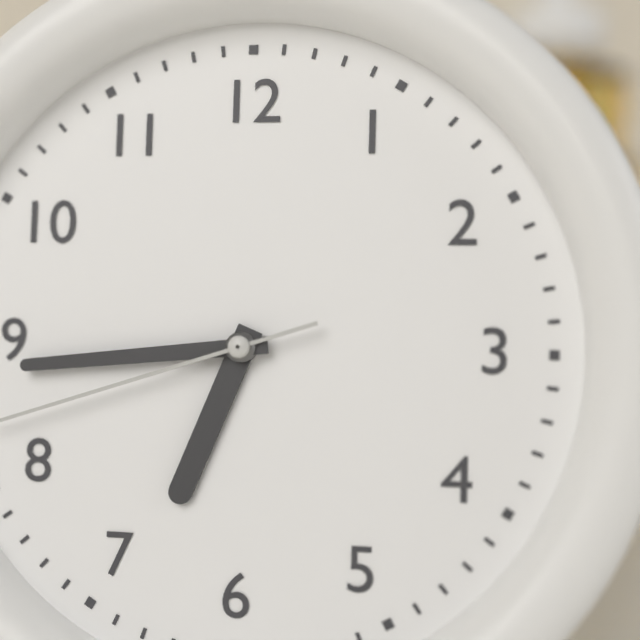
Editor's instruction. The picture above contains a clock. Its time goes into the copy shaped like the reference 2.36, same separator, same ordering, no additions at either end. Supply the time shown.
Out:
6.44
